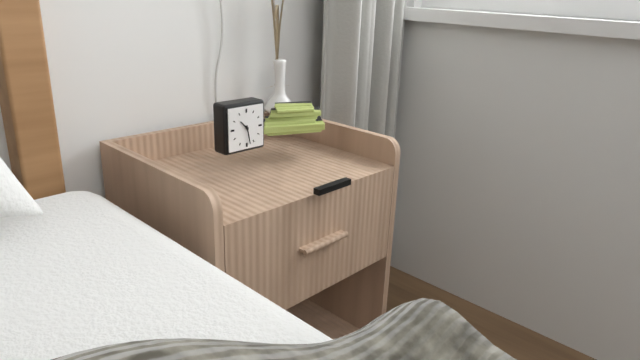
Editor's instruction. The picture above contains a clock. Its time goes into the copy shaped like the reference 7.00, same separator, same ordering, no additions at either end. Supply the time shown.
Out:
10.28
